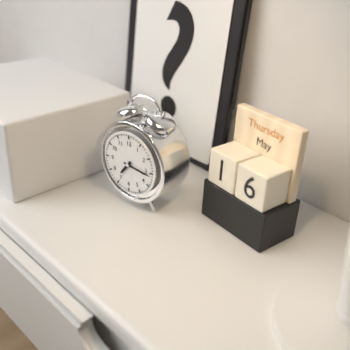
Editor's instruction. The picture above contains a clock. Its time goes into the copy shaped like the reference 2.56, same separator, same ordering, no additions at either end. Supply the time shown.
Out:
7.16
